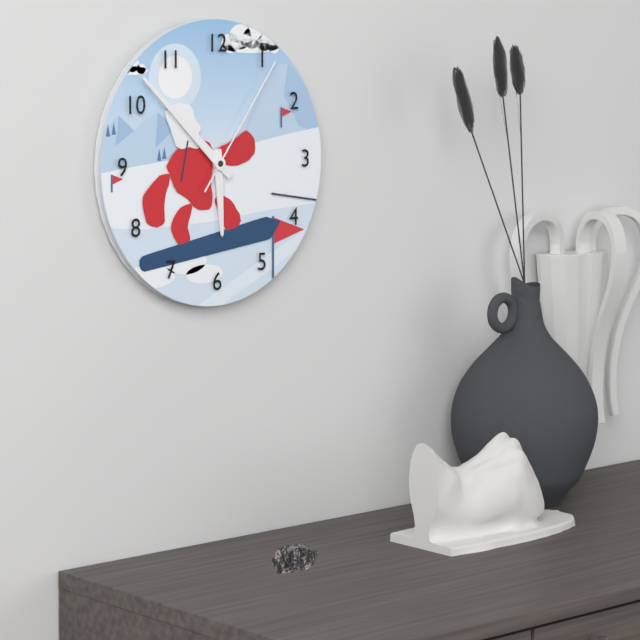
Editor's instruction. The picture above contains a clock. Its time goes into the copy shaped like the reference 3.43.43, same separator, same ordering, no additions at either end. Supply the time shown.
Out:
5.52.06
